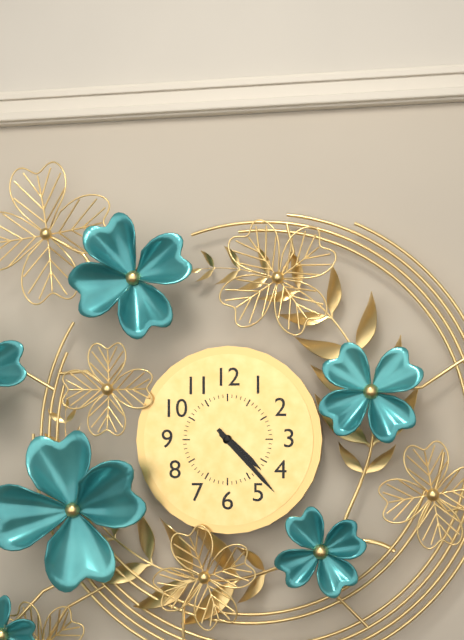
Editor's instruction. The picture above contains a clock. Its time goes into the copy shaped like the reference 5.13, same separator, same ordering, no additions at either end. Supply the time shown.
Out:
4.23
